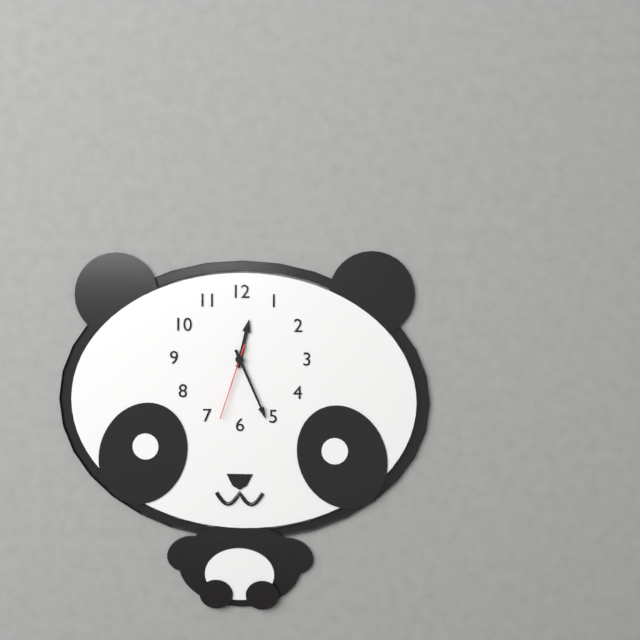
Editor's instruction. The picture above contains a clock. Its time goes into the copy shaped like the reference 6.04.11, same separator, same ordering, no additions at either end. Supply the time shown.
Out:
12.26.33
